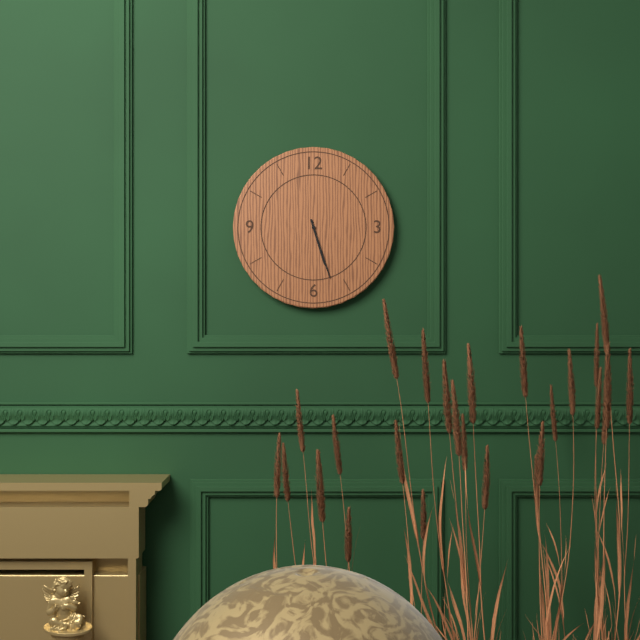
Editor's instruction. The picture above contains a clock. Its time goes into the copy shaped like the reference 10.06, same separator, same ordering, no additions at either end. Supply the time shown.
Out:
5.27
